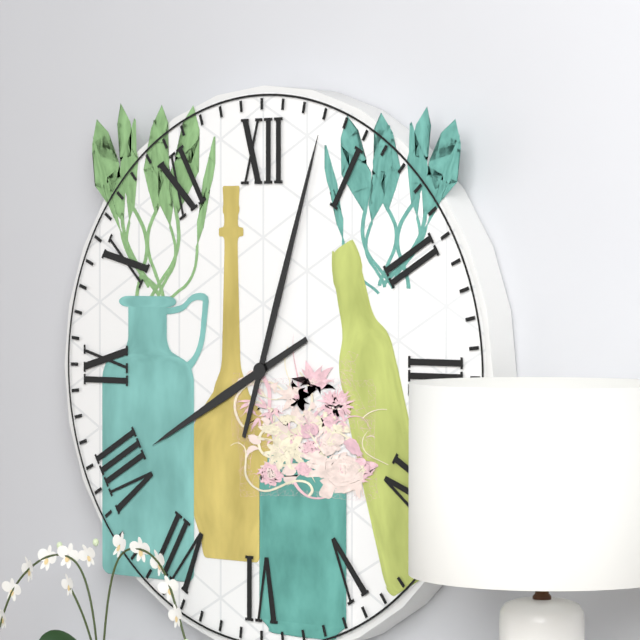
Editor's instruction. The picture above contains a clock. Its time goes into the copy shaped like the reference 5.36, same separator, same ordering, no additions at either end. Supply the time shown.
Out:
8.03
